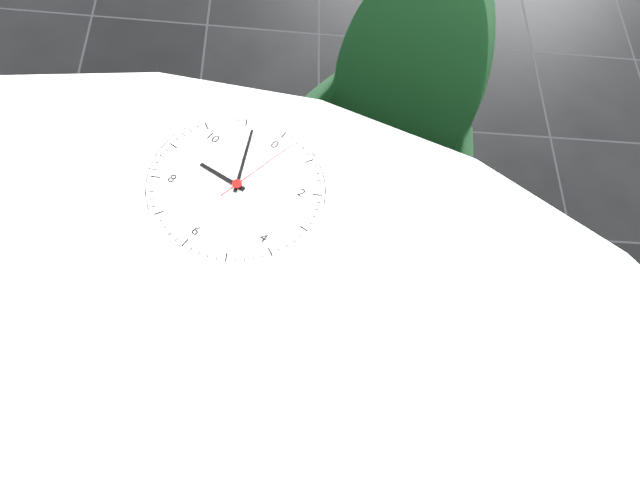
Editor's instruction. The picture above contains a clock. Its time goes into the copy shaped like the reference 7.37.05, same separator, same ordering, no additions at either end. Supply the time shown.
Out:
8.56.02
